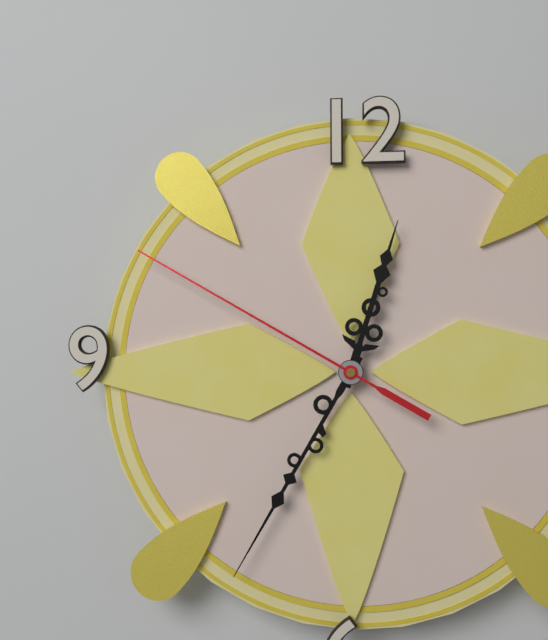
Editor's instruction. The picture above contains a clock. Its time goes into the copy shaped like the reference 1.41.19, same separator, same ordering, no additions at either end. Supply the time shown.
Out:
12.35.50
